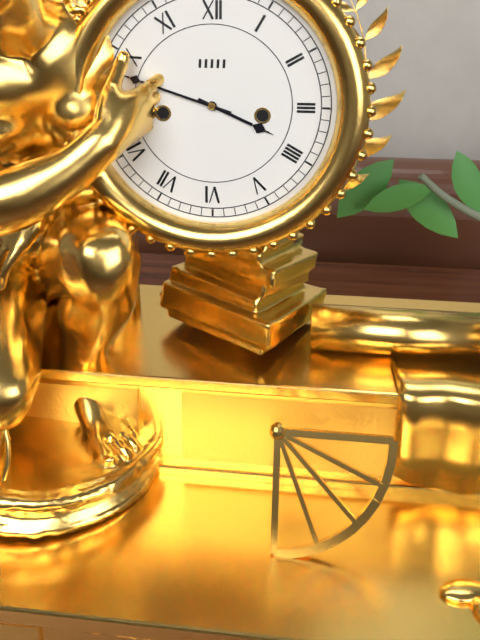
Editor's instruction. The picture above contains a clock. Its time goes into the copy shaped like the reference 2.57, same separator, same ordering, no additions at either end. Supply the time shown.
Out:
3.48
